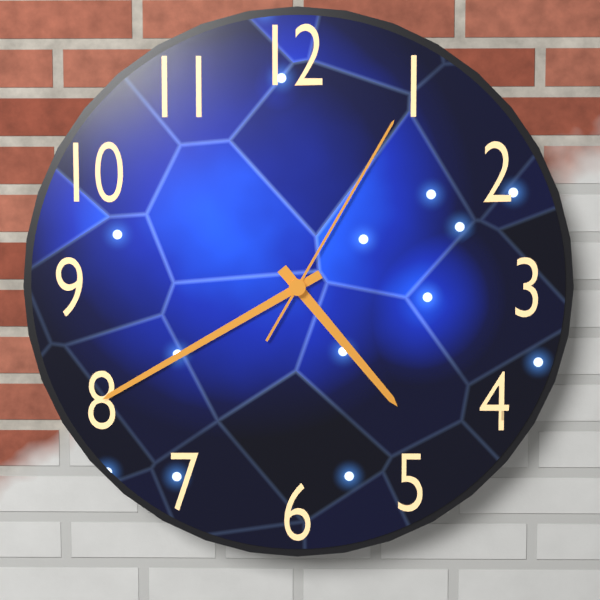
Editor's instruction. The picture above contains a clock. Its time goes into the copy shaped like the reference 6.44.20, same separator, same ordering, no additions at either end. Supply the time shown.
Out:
4.40.05
